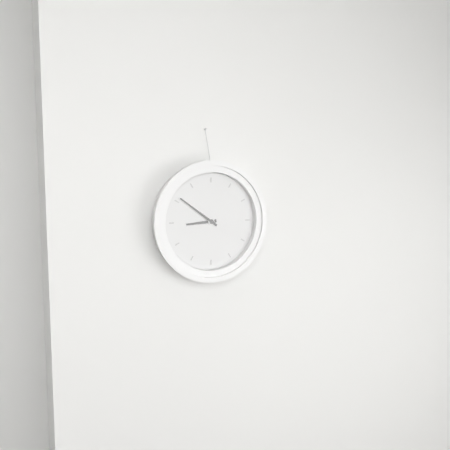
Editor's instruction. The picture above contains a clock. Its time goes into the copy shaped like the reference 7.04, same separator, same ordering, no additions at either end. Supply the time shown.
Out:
8.51
